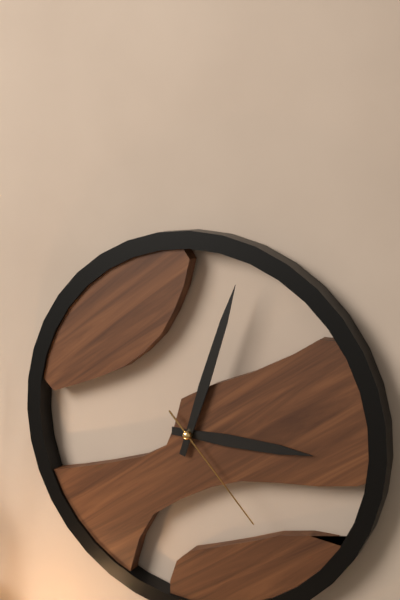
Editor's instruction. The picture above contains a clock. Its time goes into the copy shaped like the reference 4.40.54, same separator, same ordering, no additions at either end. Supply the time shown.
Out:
3.03.23
